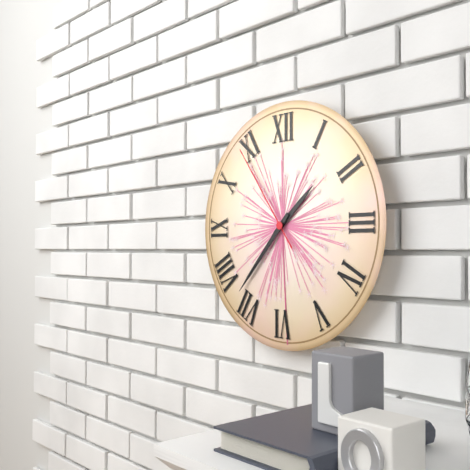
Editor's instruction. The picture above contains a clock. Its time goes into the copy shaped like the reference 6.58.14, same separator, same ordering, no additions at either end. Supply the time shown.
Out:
1.37.54
